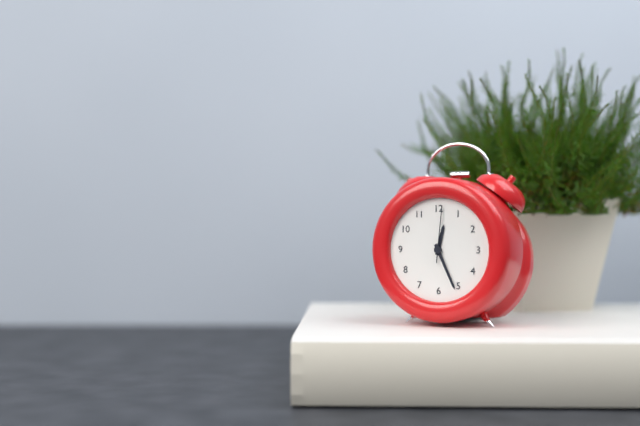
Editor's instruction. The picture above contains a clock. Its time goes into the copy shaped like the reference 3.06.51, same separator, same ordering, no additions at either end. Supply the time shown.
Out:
12.26.01
